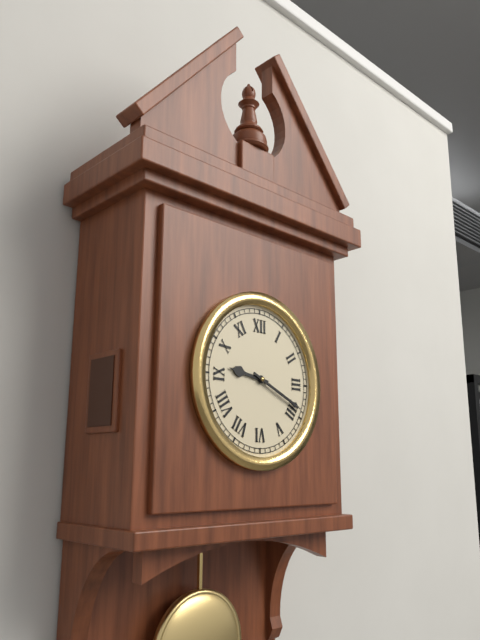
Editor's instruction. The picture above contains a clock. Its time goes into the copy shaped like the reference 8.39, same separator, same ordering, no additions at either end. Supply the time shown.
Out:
9.19
